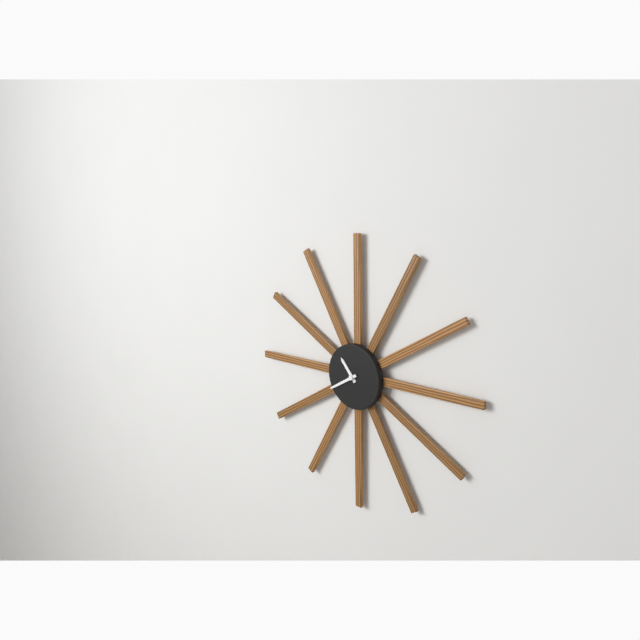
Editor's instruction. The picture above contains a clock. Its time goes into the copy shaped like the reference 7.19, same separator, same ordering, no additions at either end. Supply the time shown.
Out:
10.40
